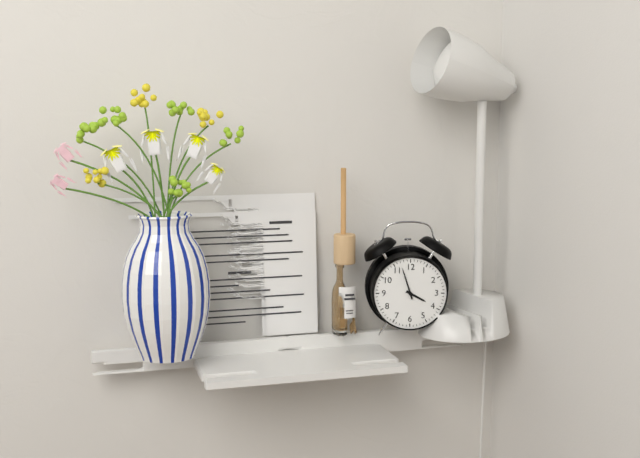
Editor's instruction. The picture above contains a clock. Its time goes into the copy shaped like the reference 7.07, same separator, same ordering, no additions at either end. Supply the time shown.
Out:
3.57
